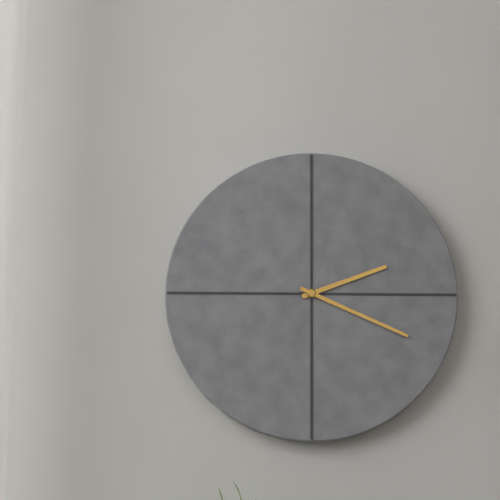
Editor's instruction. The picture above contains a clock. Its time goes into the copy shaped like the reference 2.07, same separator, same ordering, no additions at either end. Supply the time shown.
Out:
2.19
